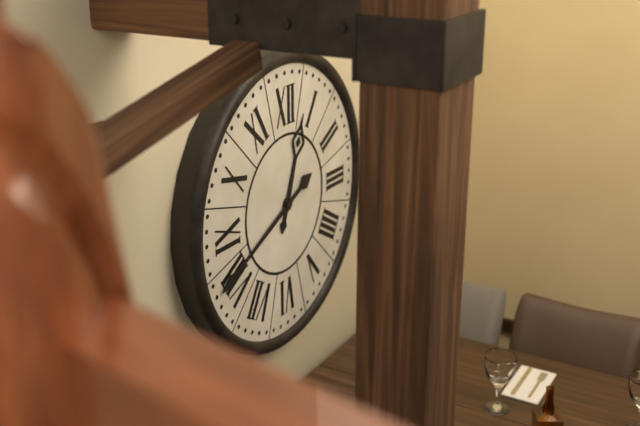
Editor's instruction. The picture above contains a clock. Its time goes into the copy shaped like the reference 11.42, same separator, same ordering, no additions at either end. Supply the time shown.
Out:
12.41
